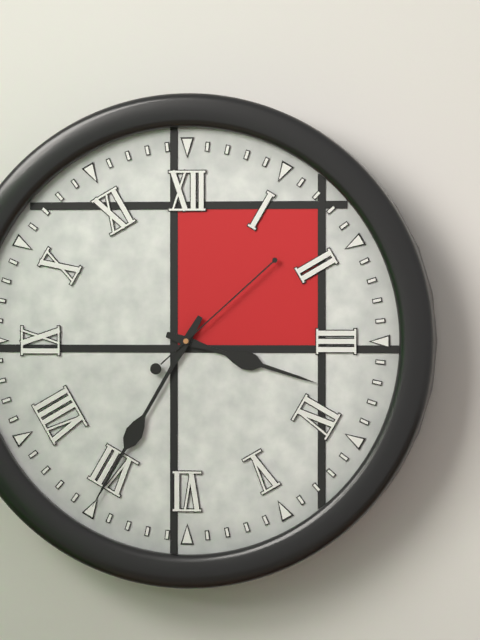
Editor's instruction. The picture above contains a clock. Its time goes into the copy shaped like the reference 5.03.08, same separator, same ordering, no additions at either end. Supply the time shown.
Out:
3.35.08
